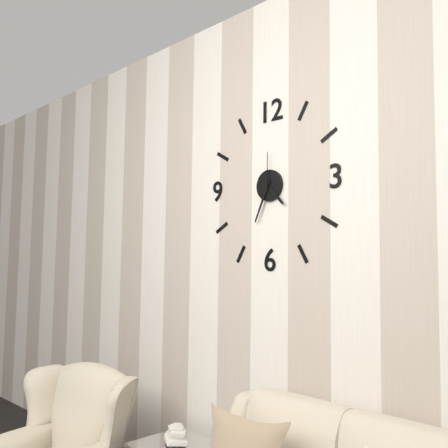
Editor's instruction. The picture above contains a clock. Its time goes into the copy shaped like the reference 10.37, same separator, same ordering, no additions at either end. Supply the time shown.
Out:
4.34
